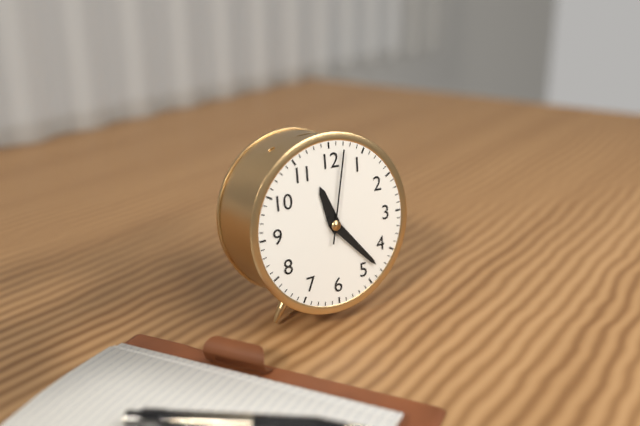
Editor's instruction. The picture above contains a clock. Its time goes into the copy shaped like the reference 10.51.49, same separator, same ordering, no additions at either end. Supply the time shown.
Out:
11.23.02
